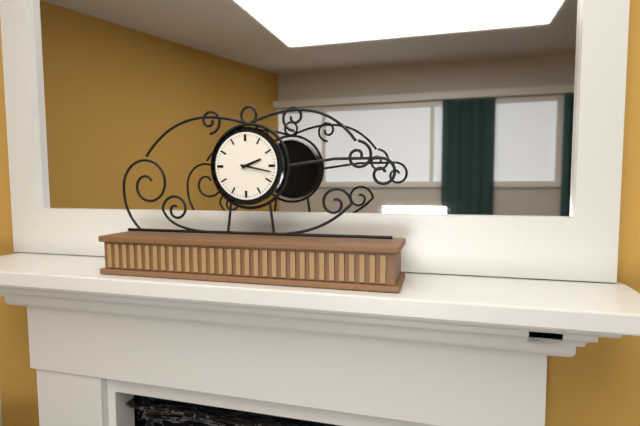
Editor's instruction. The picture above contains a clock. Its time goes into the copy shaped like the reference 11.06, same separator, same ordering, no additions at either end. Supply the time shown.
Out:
2.17
